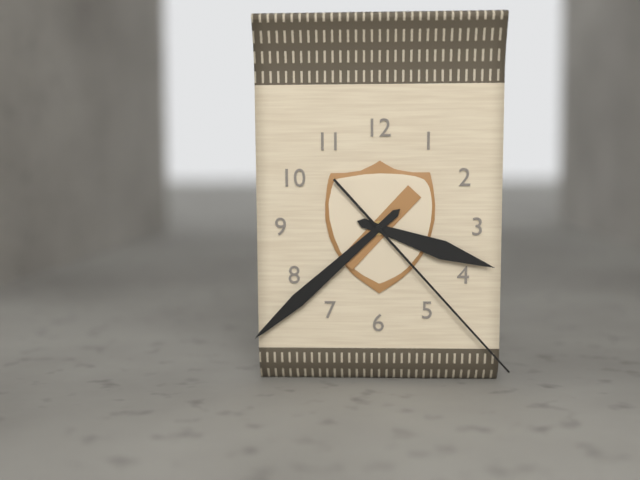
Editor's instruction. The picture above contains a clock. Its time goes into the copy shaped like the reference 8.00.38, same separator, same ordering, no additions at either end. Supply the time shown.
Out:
3.38.23
